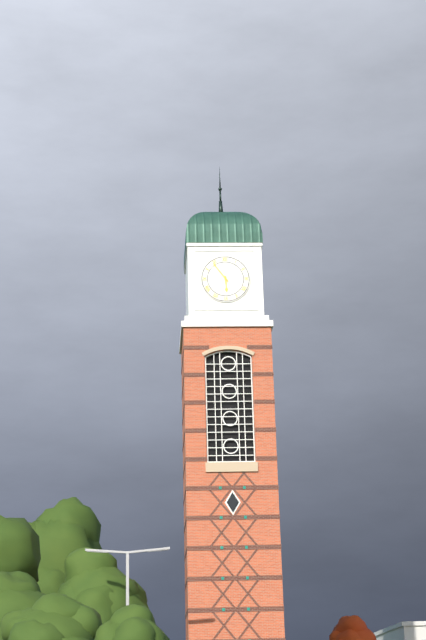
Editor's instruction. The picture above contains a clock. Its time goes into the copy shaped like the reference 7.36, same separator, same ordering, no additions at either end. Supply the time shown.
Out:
5.54
